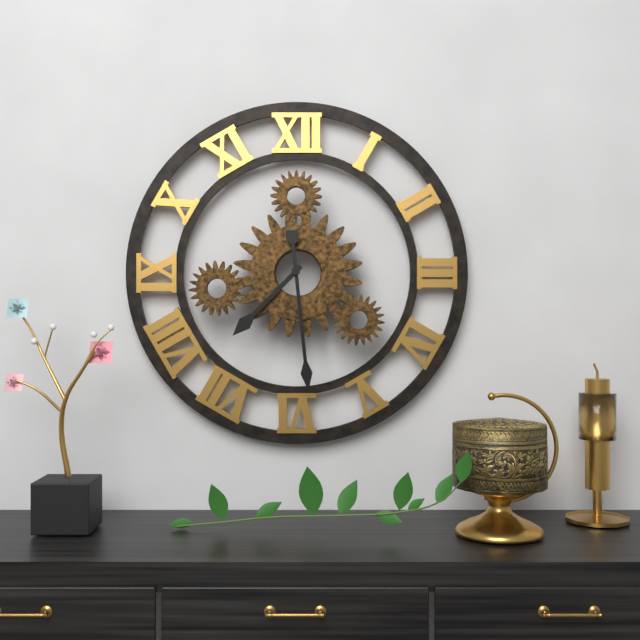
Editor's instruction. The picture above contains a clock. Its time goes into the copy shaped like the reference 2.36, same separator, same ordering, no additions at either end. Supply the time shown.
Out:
7.29
